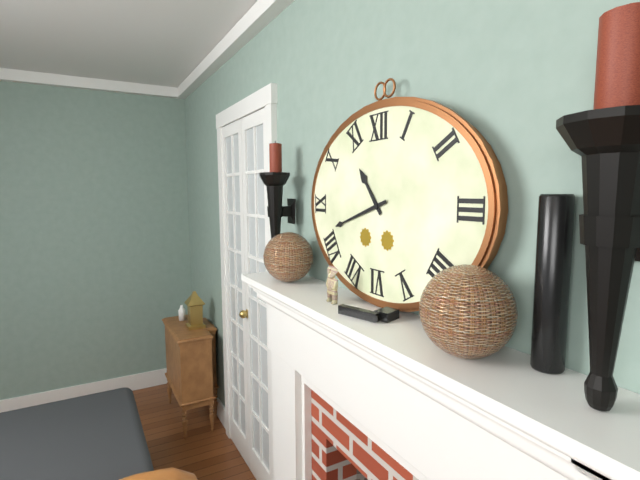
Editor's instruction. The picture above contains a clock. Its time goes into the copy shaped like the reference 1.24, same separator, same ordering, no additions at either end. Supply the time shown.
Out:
10.42
